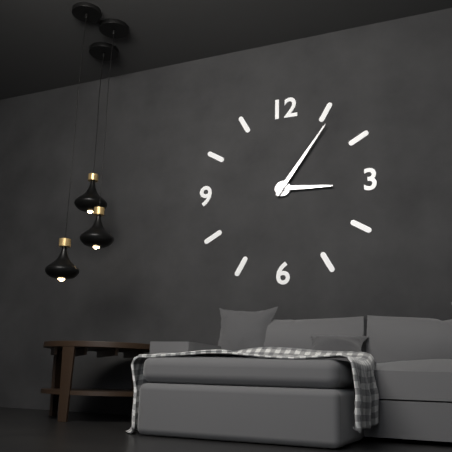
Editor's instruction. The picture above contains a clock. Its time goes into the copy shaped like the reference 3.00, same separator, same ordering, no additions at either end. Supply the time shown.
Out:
3.06
